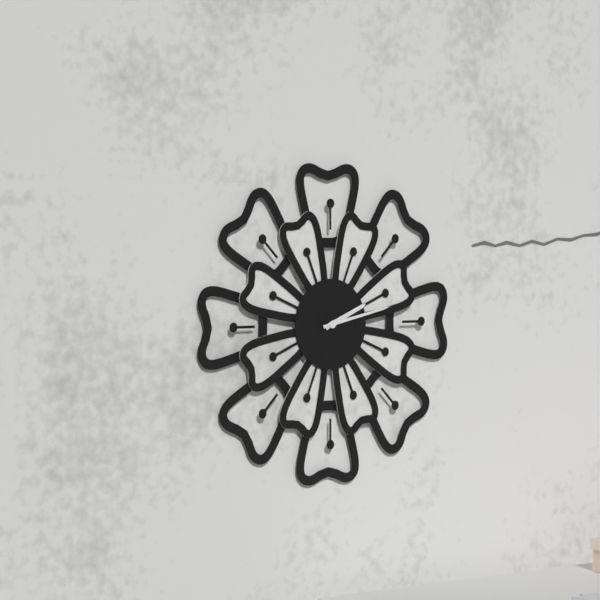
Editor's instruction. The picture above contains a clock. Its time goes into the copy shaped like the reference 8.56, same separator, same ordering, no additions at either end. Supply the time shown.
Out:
2.13
